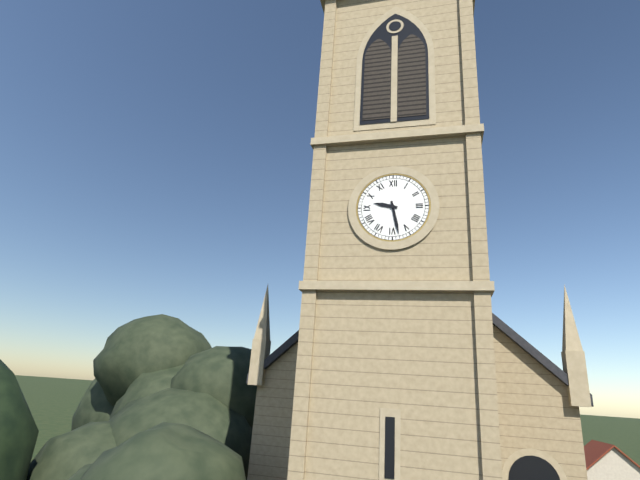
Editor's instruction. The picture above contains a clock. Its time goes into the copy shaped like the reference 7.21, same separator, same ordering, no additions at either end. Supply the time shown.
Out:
9.28
